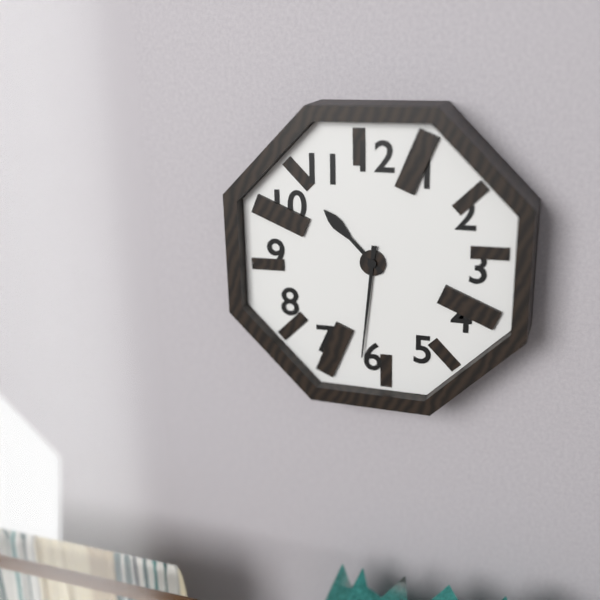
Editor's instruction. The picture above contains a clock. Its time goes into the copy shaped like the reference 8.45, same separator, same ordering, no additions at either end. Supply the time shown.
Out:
10.31
